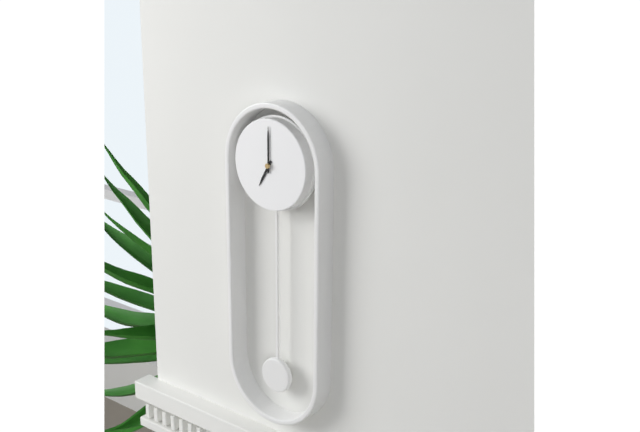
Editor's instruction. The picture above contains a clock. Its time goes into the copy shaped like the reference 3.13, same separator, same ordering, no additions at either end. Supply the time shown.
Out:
7.00
